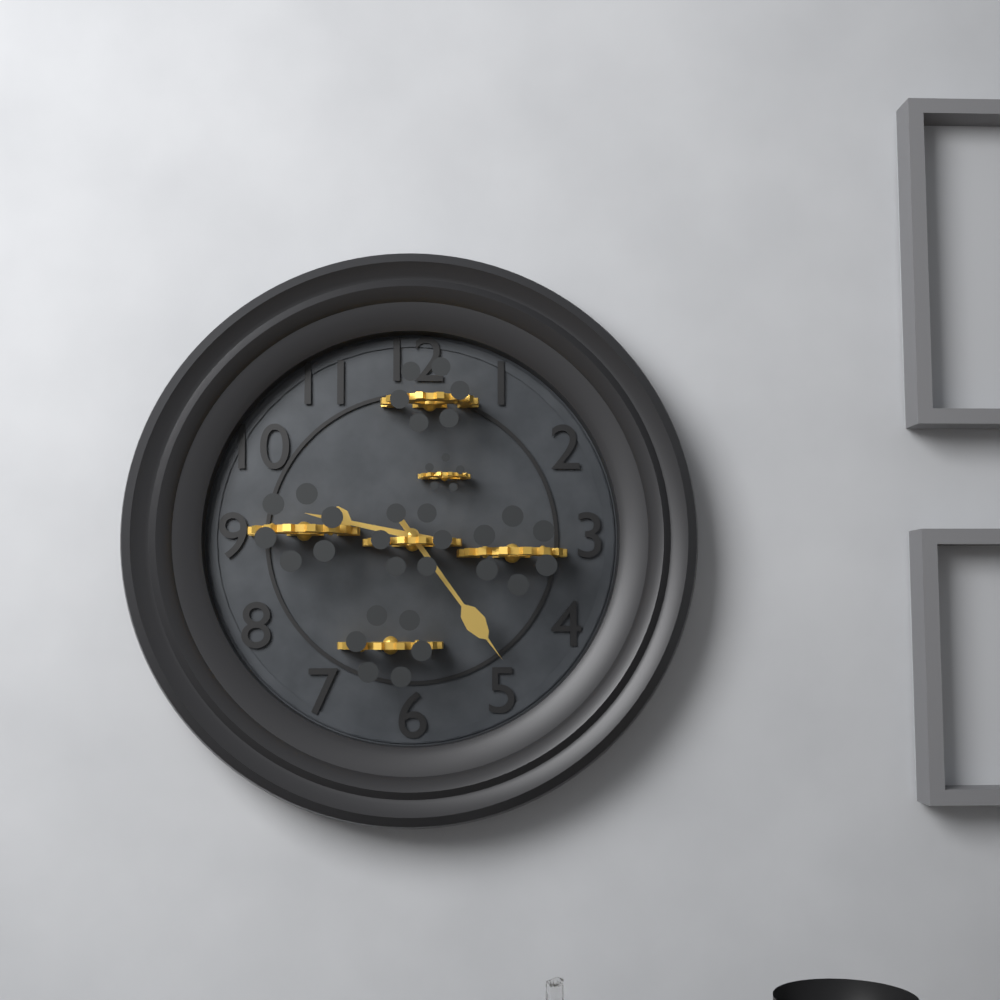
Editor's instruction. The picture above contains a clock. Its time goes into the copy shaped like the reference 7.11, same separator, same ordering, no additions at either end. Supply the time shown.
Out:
9.24
